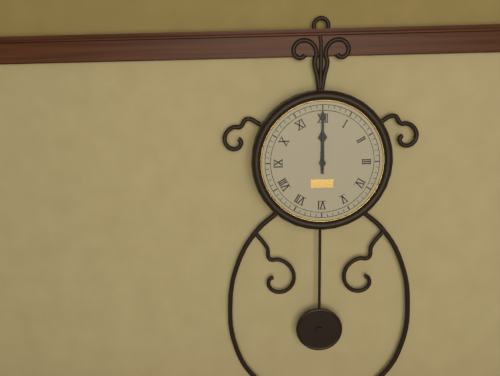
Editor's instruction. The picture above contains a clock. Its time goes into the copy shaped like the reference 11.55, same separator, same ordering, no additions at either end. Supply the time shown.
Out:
12.00
